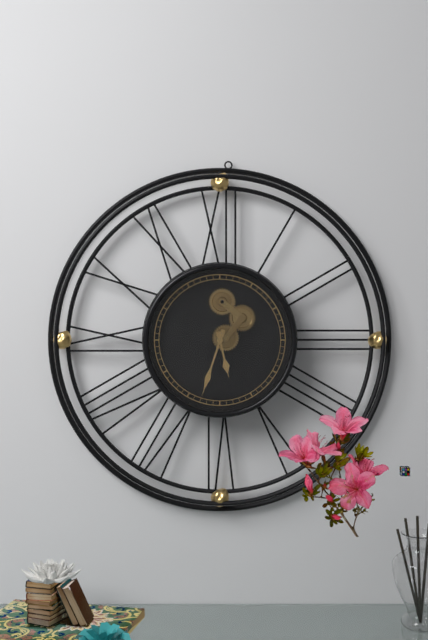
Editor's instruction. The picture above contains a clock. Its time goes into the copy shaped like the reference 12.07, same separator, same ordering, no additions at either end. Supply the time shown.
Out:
5.33
